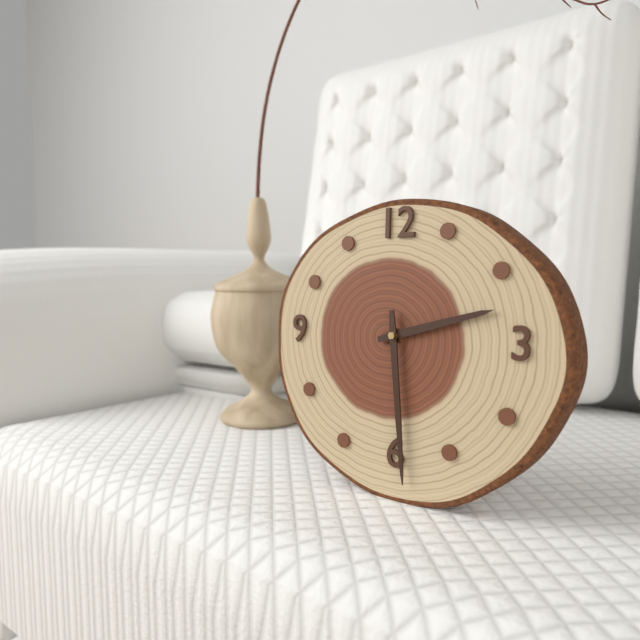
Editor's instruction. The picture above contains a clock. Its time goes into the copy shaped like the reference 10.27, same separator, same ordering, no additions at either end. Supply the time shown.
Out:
2.29
